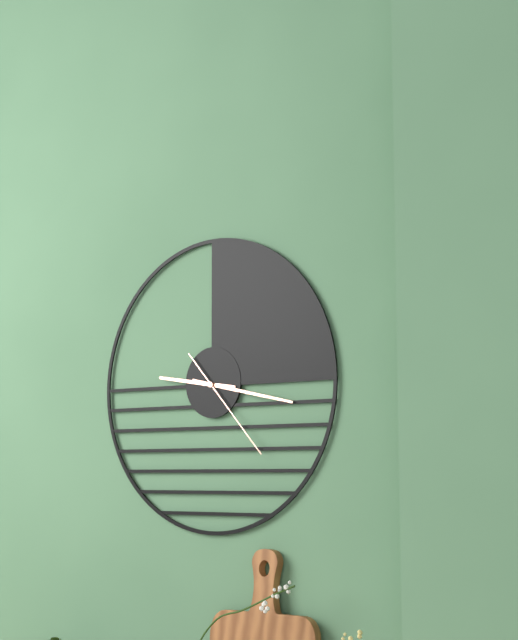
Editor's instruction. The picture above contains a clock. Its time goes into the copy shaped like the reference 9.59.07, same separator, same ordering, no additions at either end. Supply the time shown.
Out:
9.17.23
